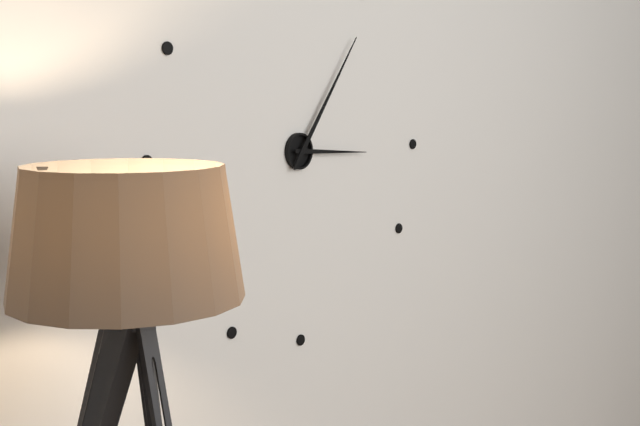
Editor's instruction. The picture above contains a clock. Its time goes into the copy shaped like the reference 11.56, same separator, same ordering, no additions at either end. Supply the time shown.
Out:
3.06
